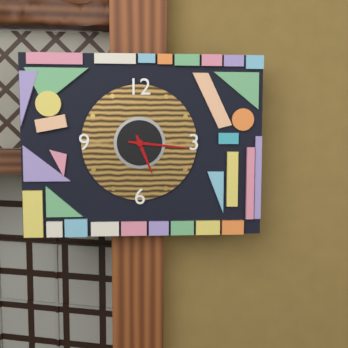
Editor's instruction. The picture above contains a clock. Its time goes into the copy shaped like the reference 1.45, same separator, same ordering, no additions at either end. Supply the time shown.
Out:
5.16
